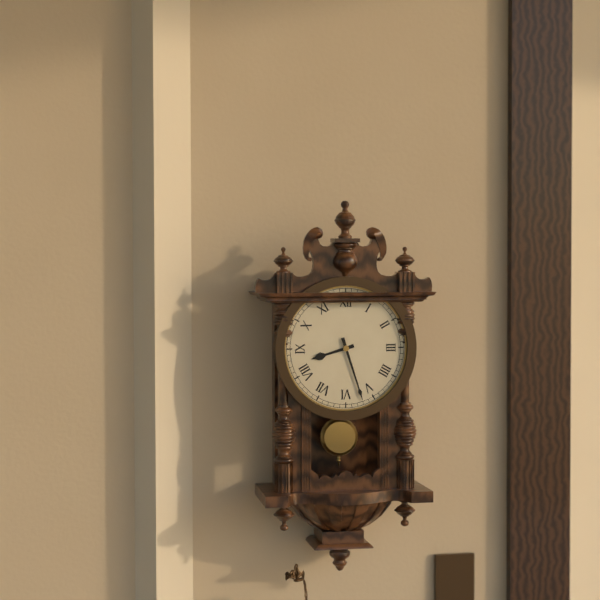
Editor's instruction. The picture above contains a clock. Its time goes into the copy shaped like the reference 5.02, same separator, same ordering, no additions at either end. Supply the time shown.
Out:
8.27
